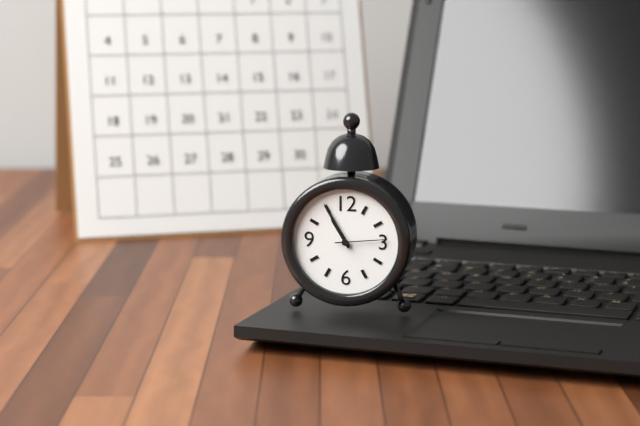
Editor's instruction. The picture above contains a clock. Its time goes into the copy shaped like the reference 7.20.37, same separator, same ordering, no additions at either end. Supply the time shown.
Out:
10.55.14
